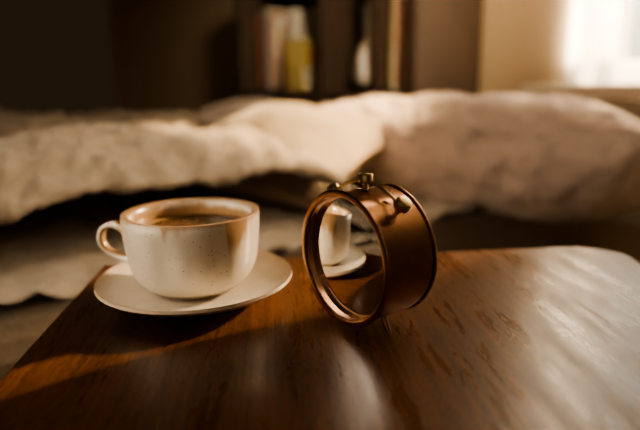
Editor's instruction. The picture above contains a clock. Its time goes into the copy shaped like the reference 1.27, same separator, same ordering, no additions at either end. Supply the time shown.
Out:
7.27
